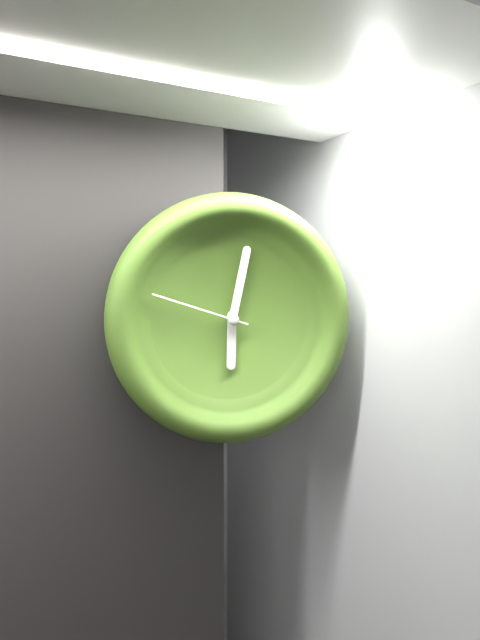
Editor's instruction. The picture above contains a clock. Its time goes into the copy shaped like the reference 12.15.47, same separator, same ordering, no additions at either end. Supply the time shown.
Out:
6.02.48
